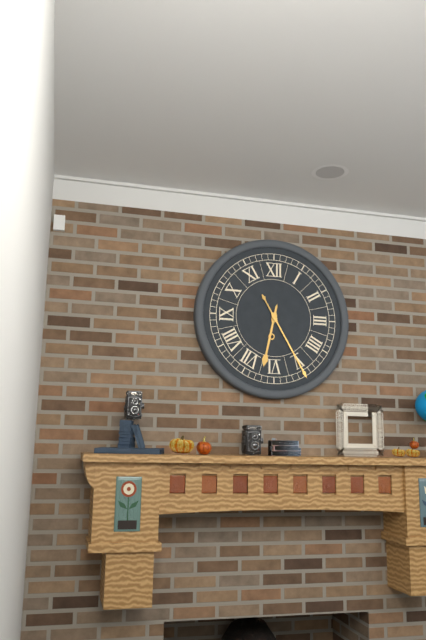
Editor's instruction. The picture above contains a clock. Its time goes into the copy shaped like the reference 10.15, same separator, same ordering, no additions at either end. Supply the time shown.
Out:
6.25
